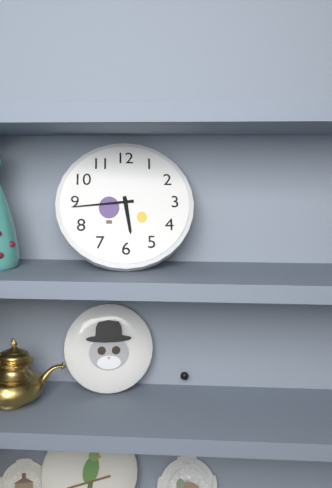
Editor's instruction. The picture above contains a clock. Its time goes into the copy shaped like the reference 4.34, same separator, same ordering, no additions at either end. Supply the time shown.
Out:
5.44
